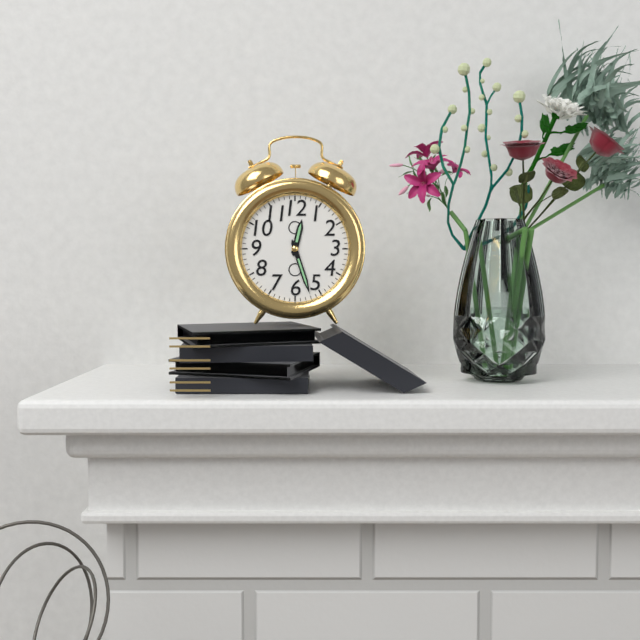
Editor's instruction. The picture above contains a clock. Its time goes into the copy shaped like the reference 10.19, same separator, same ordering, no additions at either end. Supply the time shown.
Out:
12.27
